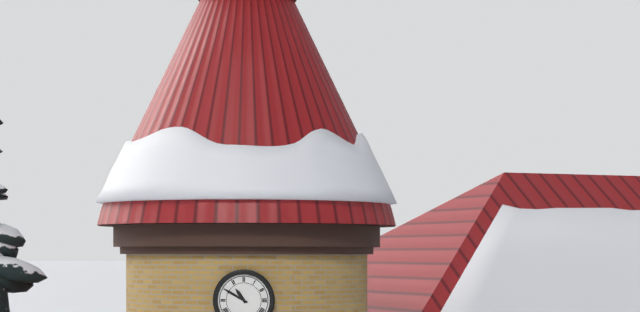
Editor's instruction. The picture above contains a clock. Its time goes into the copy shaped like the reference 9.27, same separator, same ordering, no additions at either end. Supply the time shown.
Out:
10.50
